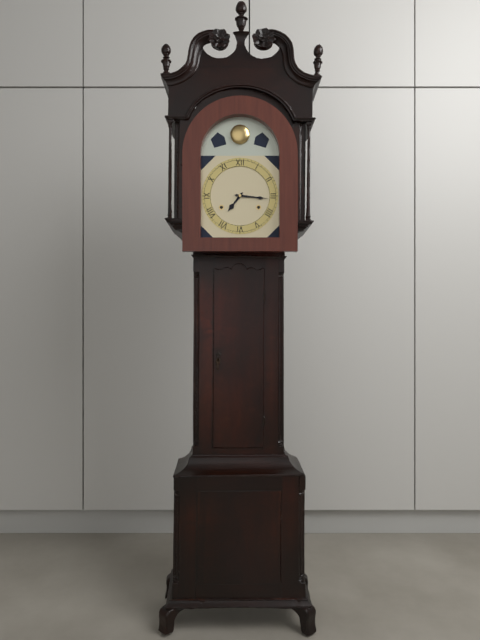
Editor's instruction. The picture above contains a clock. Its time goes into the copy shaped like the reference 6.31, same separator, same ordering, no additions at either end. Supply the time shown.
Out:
7.16
